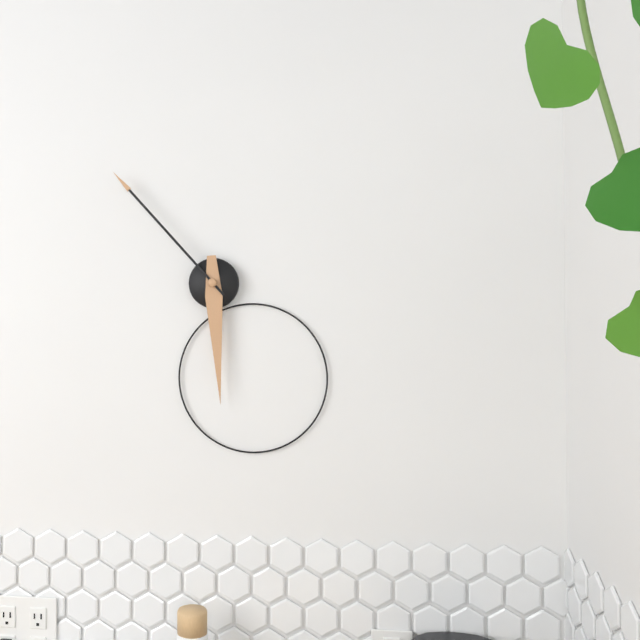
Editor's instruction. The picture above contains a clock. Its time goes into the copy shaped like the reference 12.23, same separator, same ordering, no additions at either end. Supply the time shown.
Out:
5.53
